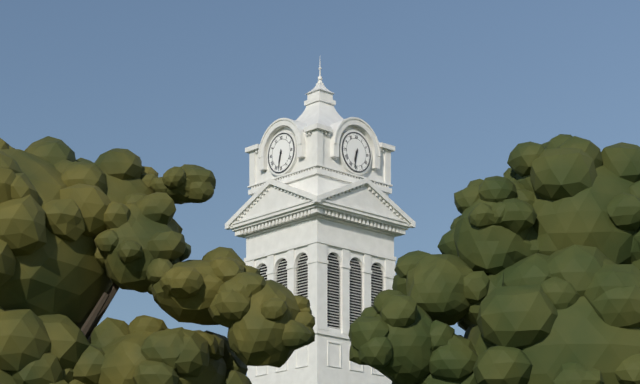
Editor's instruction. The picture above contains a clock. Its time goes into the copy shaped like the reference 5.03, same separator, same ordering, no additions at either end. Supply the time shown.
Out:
6.32
